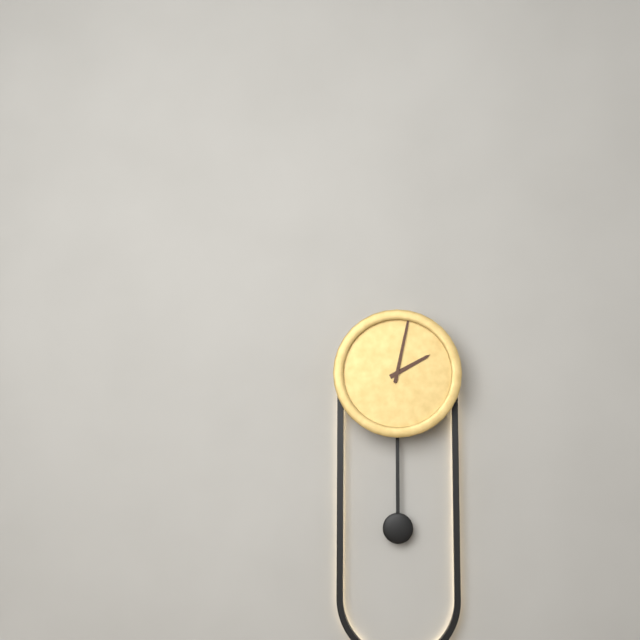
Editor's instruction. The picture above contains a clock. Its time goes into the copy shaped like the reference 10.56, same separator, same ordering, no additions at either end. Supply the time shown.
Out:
2.02
